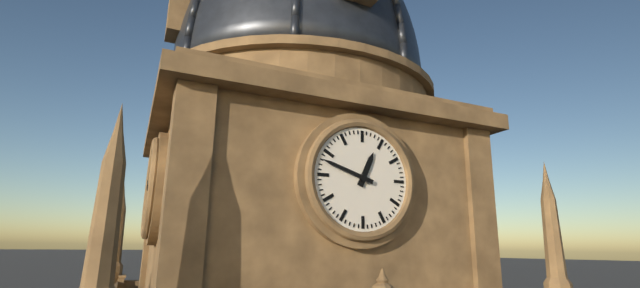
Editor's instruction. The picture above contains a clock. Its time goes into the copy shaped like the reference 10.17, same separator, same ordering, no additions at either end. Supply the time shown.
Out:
12.48
